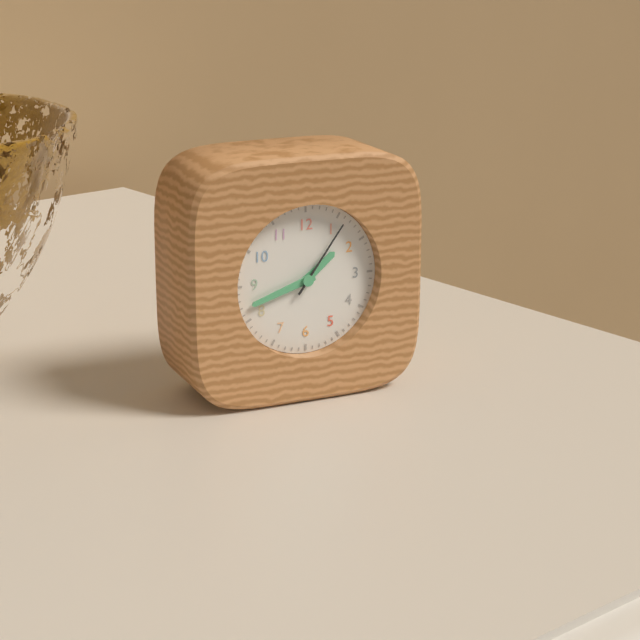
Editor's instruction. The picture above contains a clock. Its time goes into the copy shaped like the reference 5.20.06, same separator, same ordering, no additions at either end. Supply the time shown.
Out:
1.42.06
